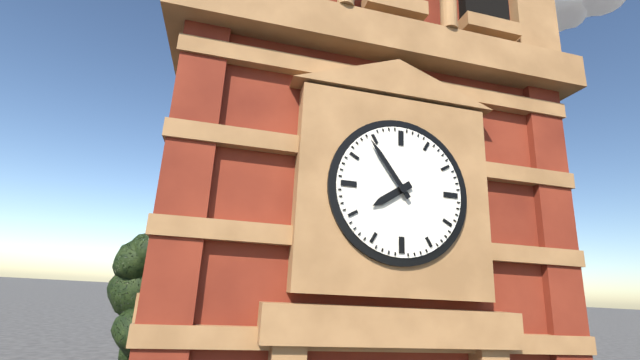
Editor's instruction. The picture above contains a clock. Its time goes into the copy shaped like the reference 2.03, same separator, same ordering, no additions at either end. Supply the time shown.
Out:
7.54
